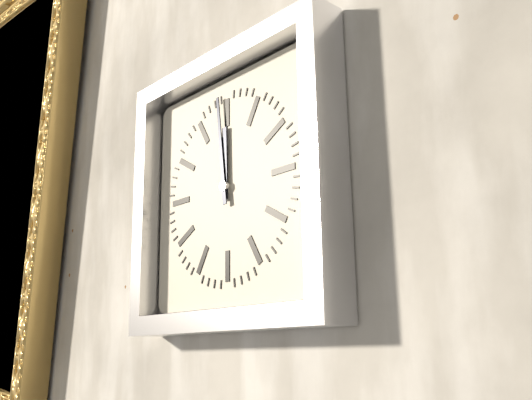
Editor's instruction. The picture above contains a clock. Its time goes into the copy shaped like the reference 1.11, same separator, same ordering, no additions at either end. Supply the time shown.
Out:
11.59
